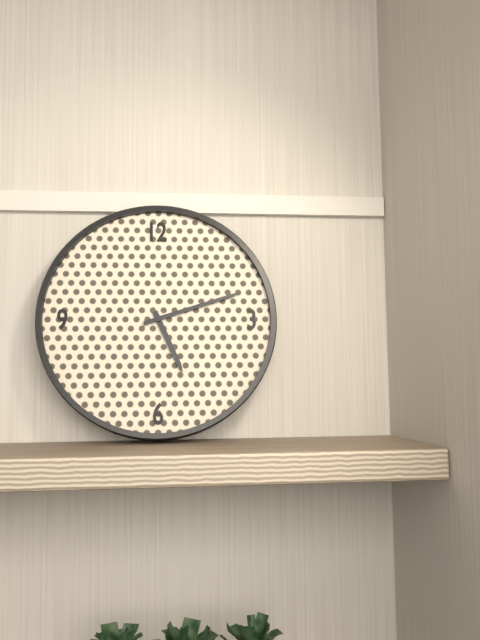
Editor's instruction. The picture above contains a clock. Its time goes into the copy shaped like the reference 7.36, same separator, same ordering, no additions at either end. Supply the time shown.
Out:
5.12
